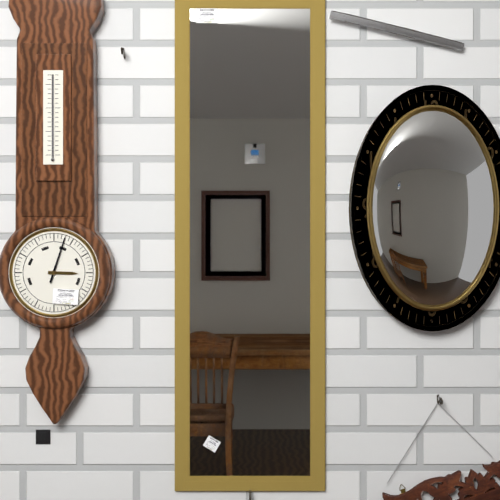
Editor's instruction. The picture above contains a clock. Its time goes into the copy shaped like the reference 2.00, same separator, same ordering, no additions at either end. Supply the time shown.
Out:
3.03
